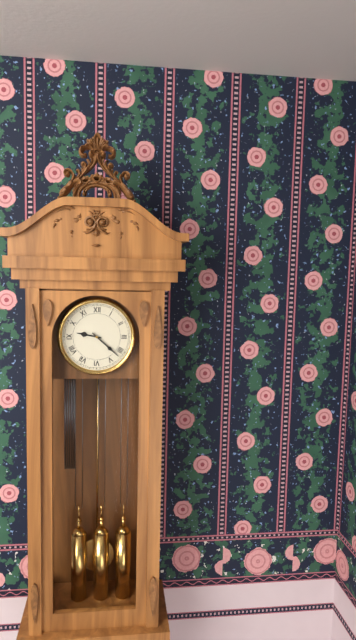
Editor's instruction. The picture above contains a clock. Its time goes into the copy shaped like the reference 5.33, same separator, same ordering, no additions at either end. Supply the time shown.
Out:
9.22
